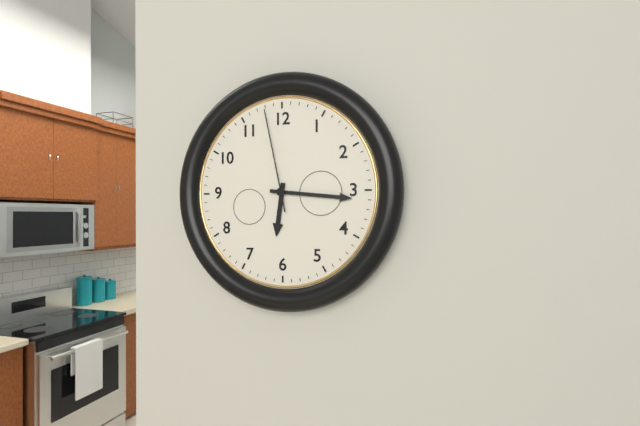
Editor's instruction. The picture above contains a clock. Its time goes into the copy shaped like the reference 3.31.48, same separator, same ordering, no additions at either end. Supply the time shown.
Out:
6.16.58
